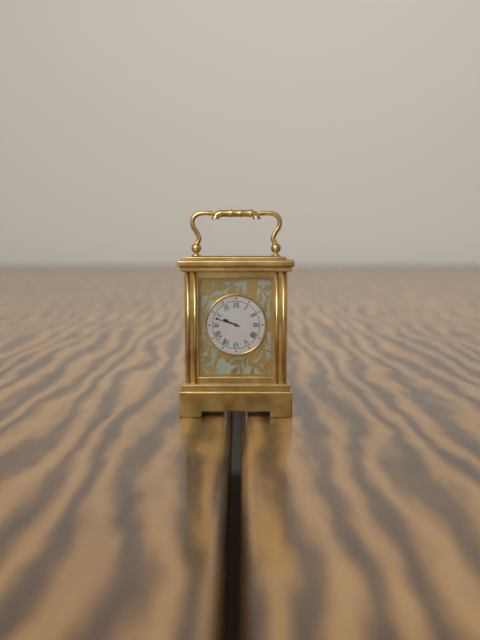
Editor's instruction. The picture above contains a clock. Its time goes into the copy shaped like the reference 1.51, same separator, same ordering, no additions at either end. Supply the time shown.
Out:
9.48
